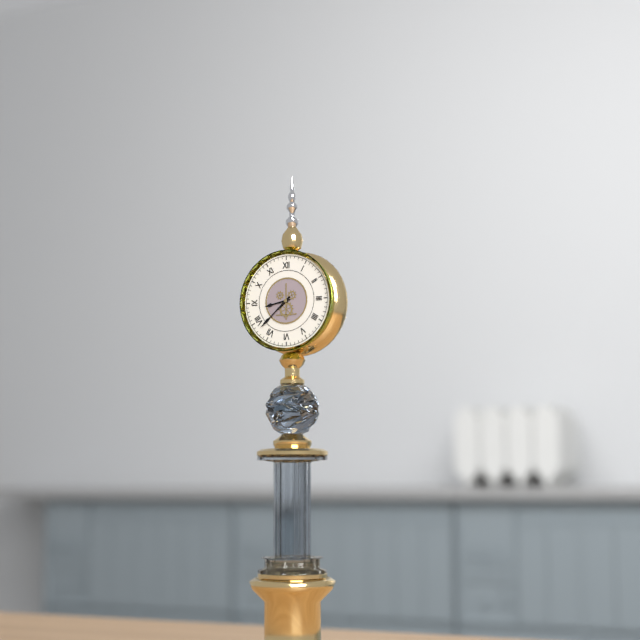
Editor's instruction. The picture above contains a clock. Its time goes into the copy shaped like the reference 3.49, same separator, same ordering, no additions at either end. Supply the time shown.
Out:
8.38
